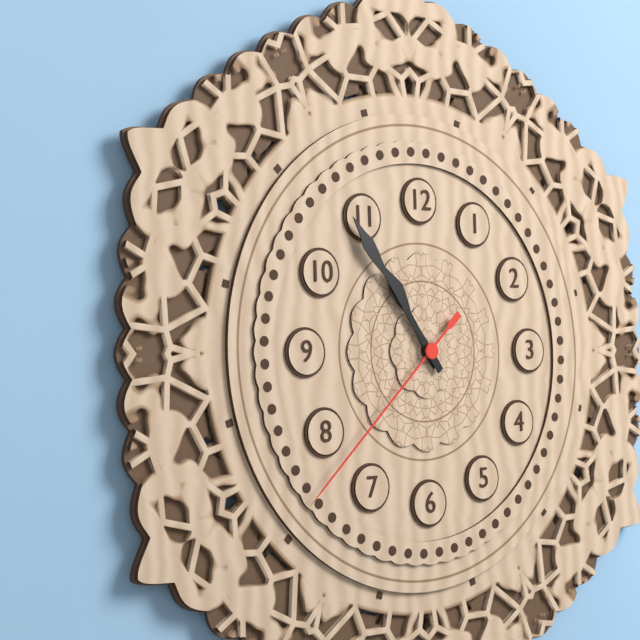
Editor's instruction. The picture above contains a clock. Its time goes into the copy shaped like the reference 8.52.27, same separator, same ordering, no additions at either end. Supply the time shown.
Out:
10.54.38
